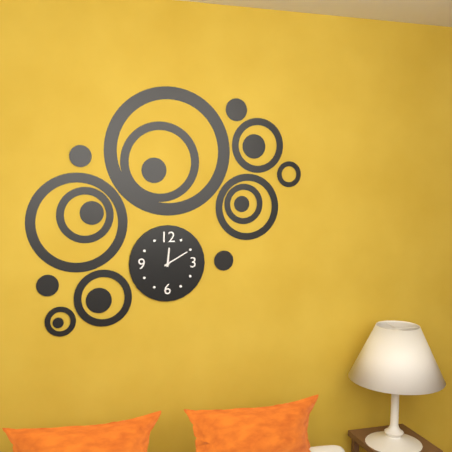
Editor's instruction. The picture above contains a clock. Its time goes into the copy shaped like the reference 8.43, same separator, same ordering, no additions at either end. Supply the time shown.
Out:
12.10
